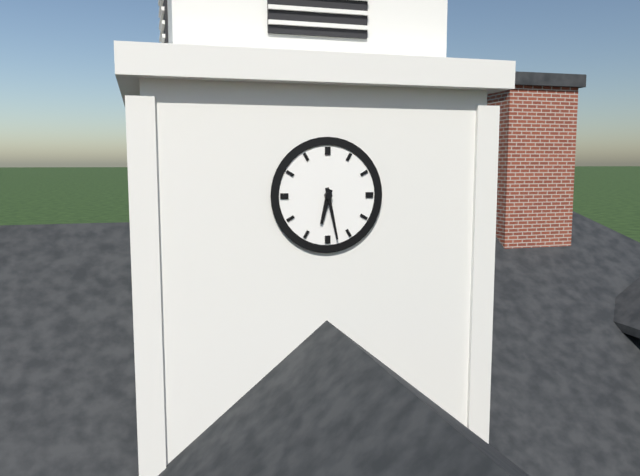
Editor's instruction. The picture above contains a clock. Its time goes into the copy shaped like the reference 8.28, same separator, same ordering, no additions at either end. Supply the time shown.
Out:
6.28
